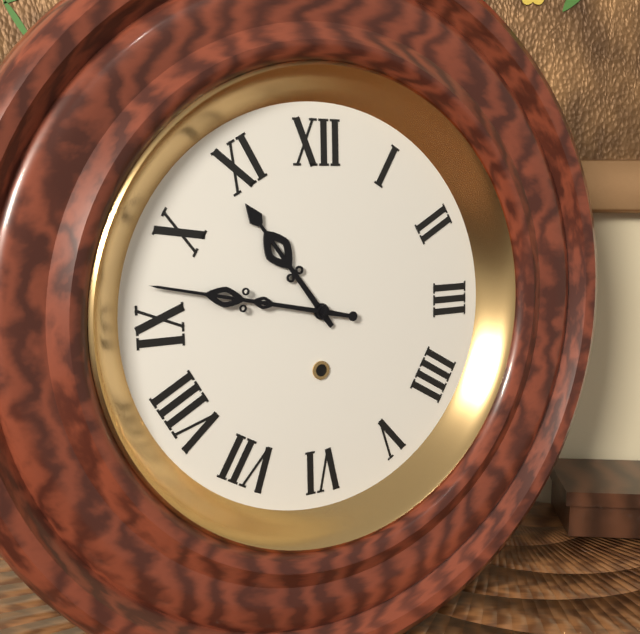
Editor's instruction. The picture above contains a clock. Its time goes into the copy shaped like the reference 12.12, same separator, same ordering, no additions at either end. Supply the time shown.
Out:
10.47
